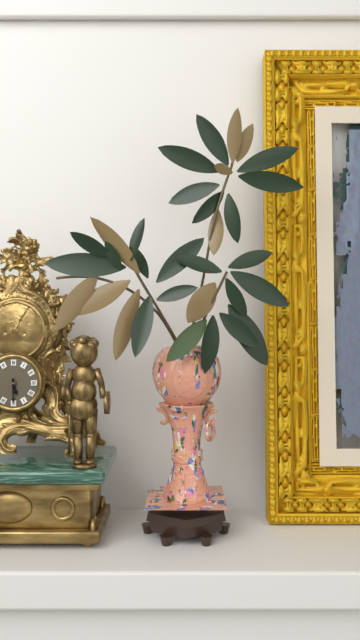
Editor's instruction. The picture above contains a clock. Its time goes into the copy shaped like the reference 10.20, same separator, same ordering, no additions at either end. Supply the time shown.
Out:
5.30
